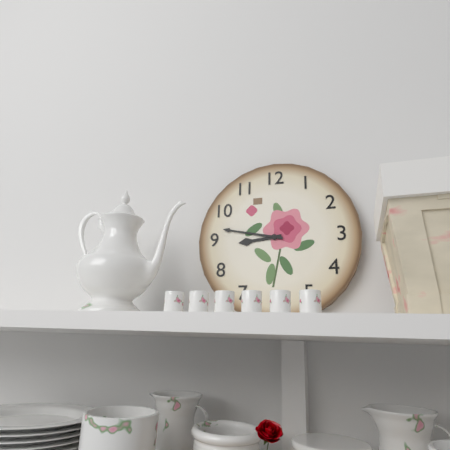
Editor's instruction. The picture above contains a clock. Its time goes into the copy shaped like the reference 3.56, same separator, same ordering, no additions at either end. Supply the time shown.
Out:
8.47
